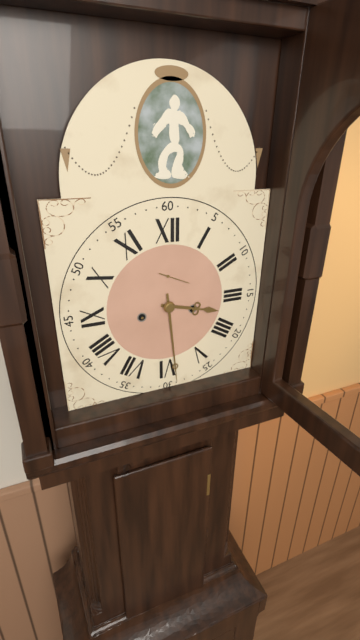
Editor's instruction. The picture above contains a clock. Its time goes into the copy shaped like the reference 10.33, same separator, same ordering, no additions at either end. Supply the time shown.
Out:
3.29
